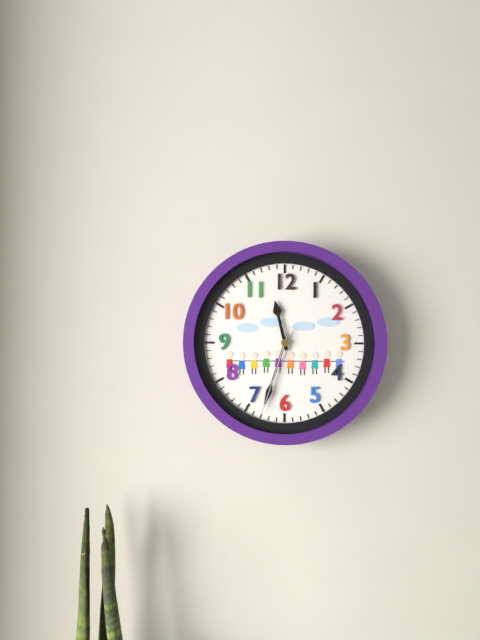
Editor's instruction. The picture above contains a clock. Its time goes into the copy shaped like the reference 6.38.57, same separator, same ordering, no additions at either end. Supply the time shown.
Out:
11.33.33
